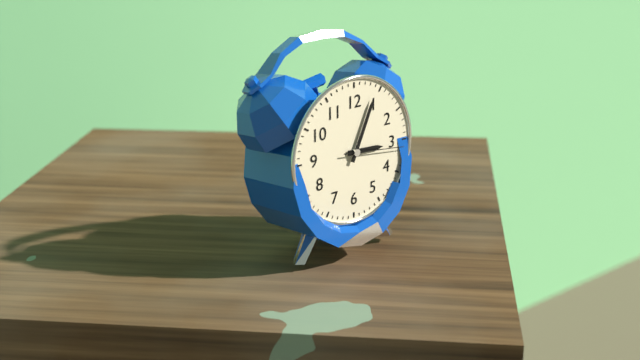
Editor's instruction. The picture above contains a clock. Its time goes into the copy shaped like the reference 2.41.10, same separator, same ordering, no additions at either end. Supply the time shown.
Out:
3.04.16
